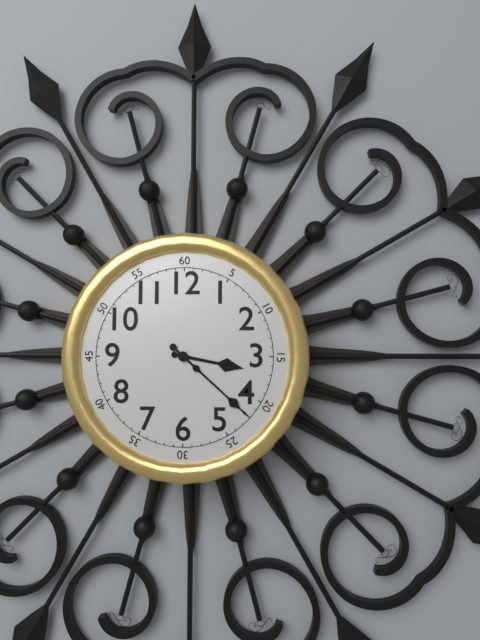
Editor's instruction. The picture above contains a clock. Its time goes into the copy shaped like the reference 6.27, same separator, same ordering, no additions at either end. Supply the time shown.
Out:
3.22
